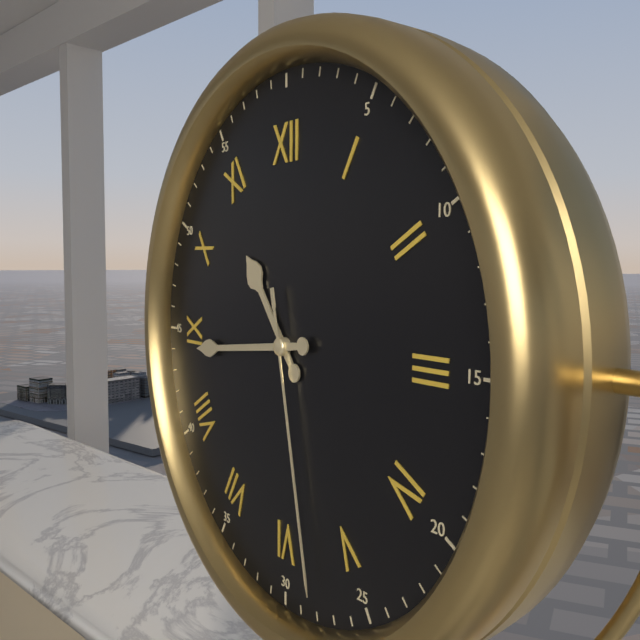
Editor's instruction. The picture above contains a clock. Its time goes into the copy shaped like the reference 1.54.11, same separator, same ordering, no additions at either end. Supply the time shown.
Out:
10.44.28
